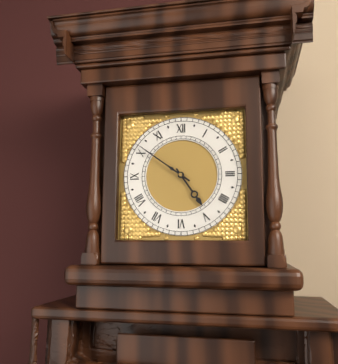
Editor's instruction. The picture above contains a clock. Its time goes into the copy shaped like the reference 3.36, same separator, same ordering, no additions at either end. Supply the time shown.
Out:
4.51
